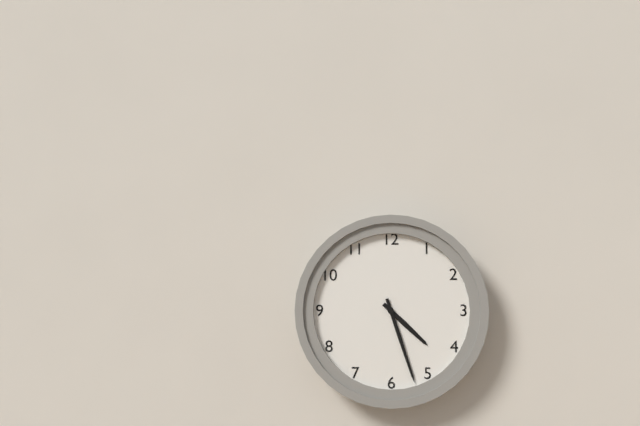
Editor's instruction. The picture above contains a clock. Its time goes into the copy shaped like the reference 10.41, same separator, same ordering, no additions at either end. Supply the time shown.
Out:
4.27
